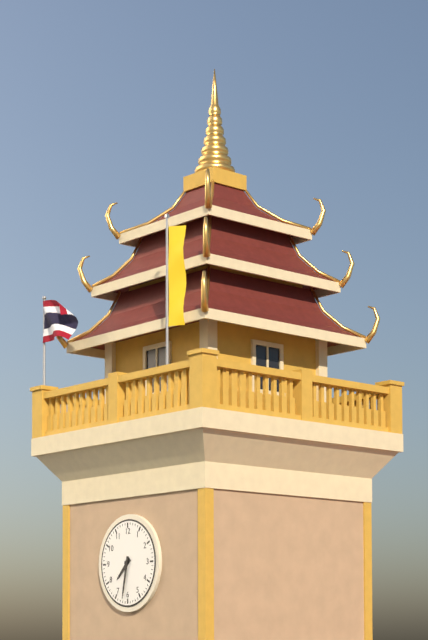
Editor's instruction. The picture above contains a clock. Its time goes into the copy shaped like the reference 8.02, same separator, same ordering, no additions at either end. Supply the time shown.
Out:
7.32
